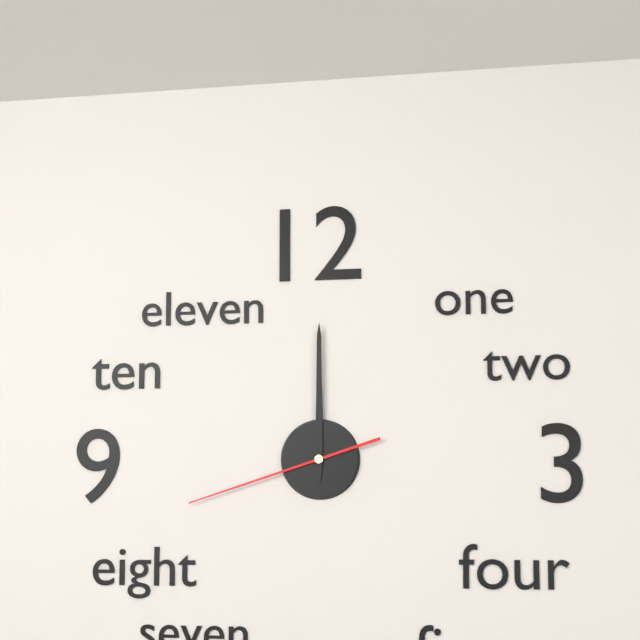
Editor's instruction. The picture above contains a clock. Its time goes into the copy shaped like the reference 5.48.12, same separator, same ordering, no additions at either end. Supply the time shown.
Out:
12.00.42
